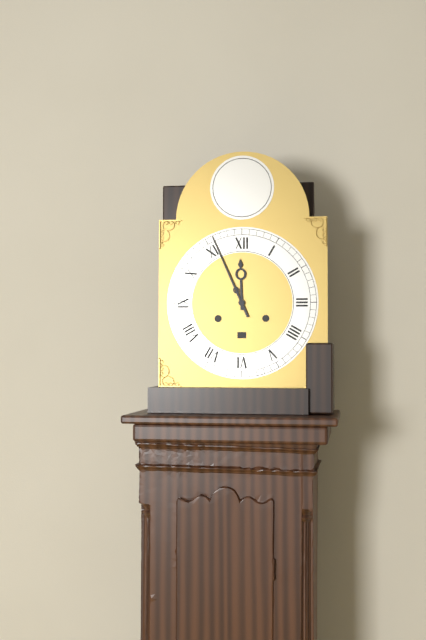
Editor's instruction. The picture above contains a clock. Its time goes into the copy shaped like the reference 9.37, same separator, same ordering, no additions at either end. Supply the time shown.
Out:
11.56
